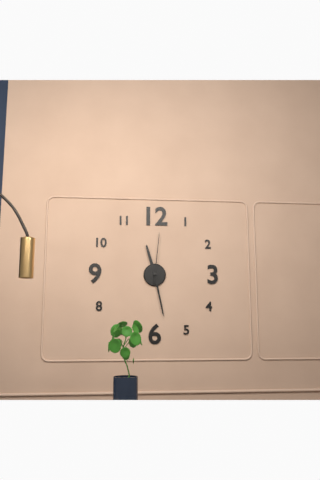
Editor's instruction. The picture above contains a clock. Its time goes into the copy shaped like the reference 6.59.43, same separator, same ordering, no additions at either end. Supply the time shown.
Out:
11.28.01
